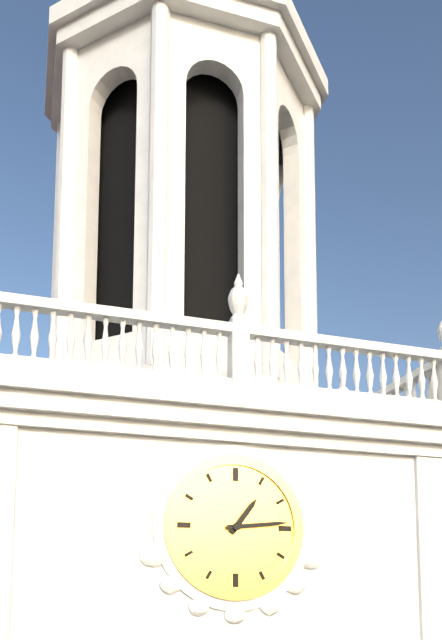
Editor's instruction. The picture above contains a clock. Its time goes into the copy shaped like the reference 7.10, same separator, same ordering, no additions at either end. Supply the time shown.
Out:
1.14
